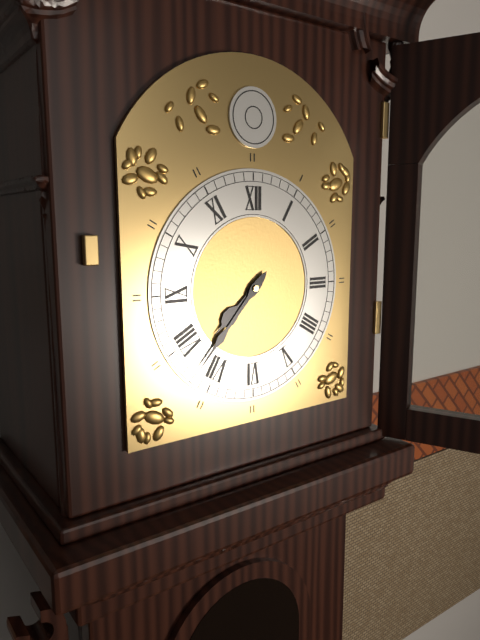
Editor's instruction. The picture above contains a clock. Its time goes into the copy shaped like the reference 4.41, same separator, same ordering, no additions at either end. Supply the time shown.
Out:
7.37
